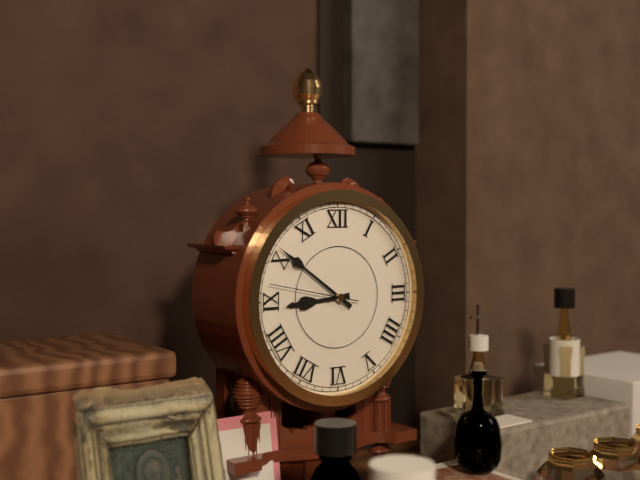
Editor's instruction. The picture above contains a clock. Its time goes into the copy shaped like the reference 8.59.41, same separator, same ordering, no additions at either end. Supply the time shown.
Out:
8.51.47
